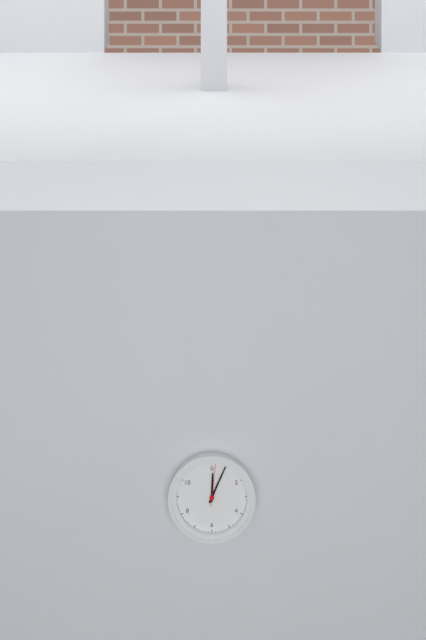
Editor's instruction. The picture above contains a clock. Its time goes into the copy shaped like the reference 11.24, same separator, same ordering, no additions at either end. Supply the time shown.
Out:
12.04
